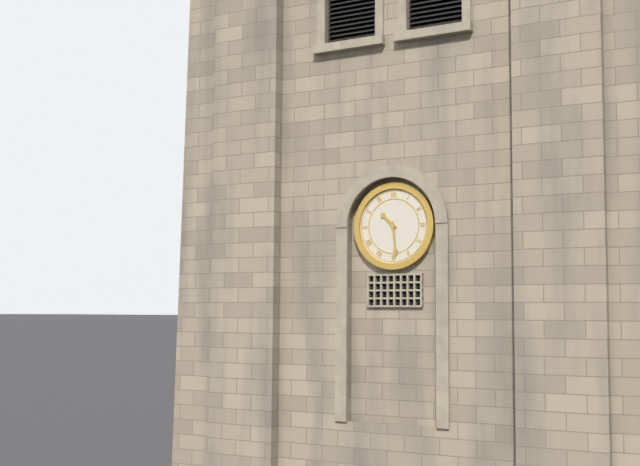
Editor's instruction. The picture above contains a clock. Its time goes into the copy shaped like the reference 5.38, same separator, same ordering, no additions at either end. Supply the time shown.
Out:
10.29
